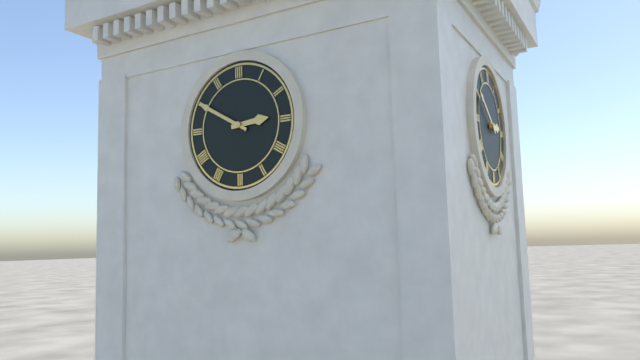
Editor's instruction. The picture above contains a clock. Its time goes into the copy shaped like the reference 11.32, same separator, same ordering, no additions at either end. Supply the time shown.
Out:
2.50
